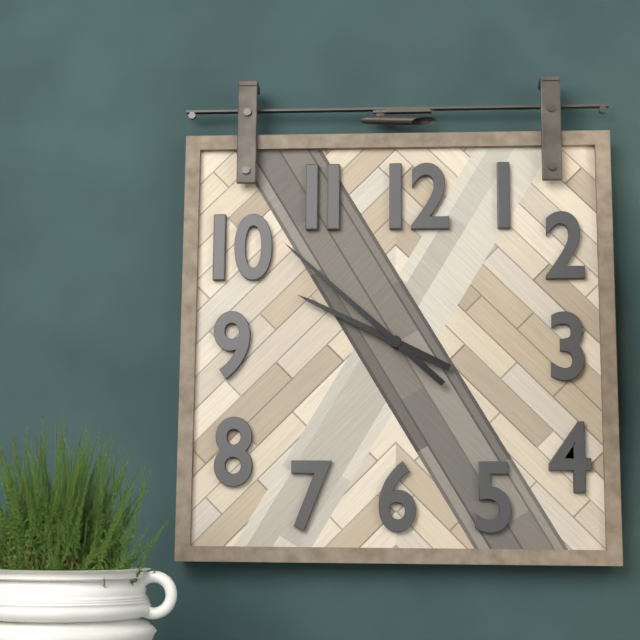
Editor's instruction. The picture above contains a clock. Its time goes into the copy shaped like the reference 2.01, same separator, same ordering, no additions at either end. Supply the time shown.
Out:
9.52
